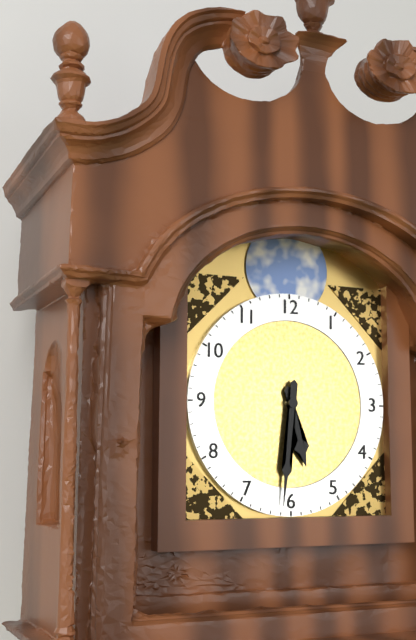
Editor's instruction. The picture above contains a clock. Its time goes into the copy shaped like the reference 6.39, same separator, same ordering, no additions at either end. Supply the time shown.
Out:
5.31
